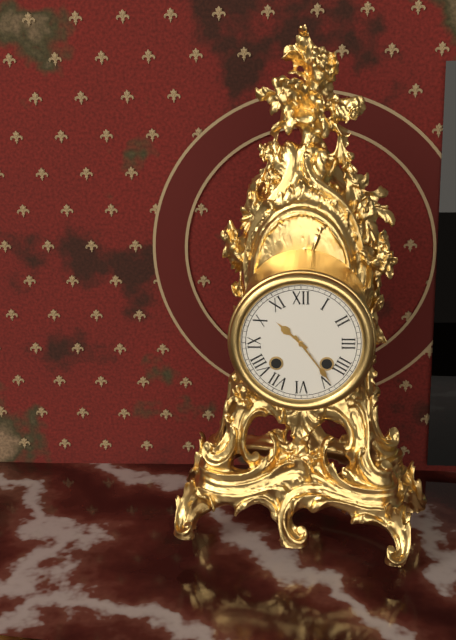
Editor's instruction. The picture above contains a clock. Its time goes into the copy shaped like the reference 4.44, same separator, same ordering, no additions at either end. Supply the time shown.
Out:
10.24
